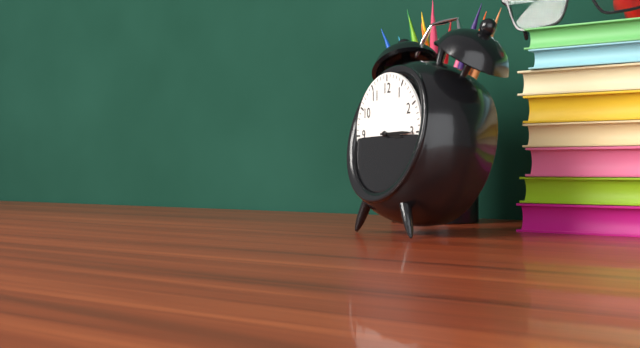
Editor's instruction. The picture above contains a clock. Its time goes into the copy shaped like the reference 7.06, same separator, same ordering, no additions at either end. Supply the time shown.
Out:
3.15
